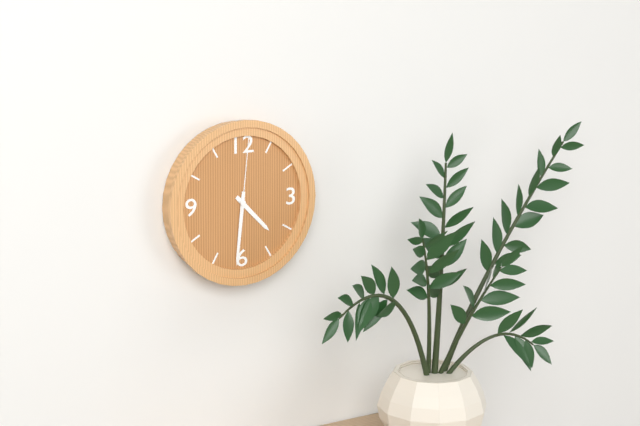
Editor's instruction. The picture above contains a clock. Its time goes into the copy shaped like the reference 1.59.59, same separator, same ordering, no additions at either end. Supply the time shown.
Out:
4.31.01
